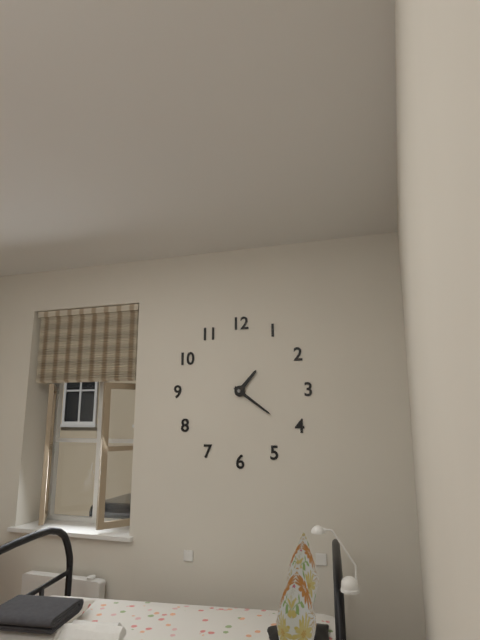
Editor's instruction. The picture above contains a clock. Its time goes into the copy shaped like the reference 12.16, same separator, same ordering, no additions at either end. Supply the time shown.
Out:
1.21
